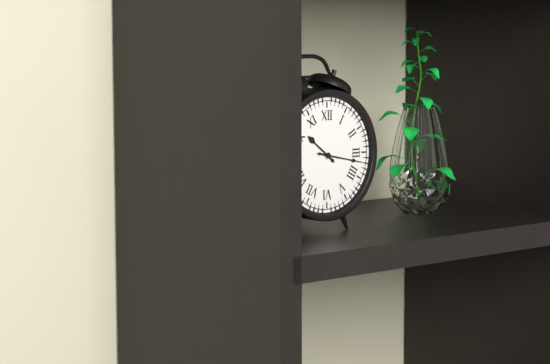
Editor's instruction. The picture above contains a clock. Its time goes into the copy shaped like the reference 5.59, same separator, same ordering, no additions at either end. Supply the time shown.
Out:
10.17
